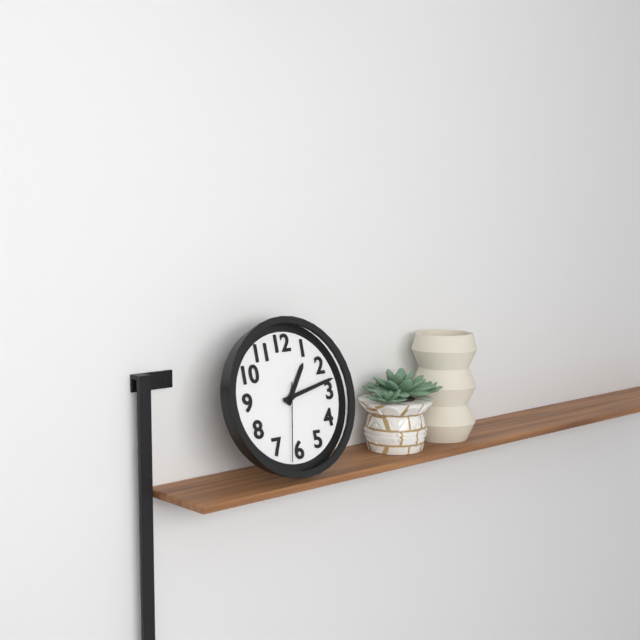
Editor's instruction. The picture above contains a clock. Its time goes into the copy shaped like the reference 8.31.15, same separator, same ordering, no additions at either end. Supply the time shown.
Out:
1.13.32
